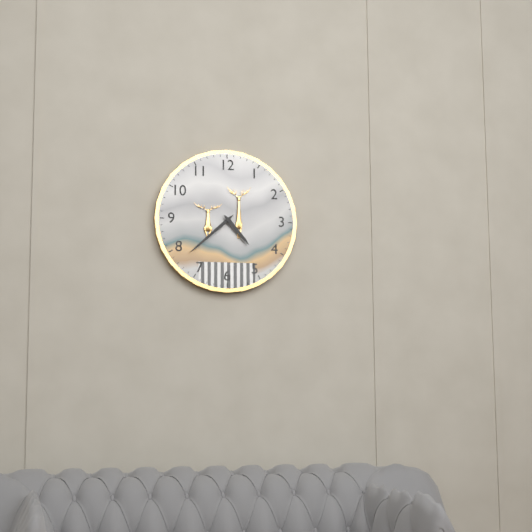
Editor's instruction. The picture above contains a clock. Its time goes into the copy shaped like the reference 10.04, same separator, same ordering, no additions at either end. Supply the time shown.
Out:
4.38
